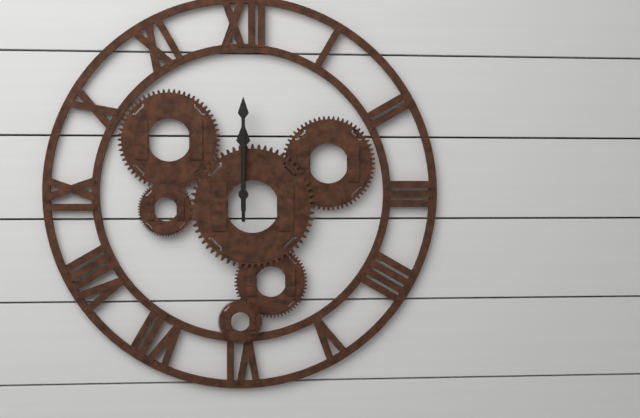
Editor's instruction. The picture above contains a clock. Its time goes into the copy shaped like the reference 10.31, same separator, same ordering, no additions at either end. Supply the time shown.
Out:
12.00
